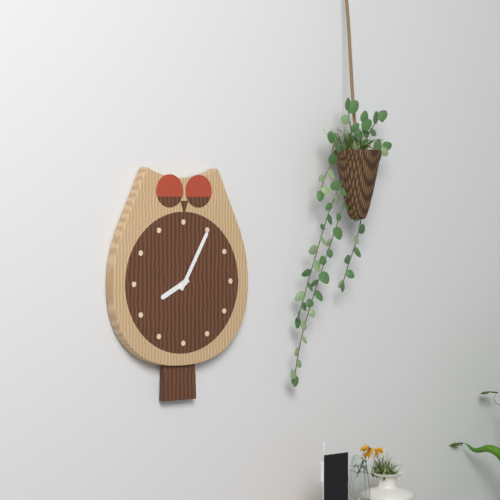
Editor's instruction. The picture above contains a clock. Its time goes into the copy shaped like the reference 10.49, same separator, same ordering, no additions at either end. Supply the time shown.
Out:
8.05
